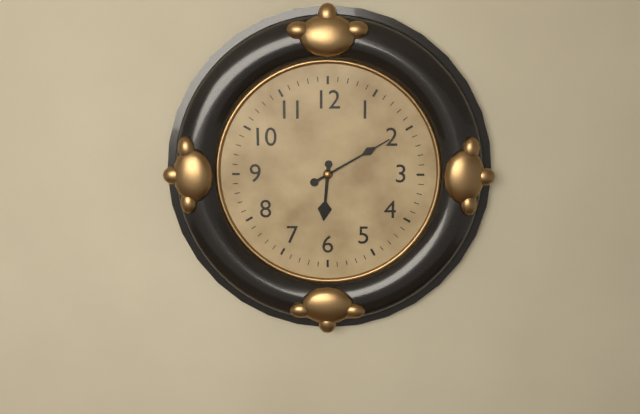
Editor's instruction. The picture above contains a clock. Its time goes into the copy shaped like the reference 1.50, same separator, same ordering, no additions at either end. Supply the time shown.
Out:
6.10
